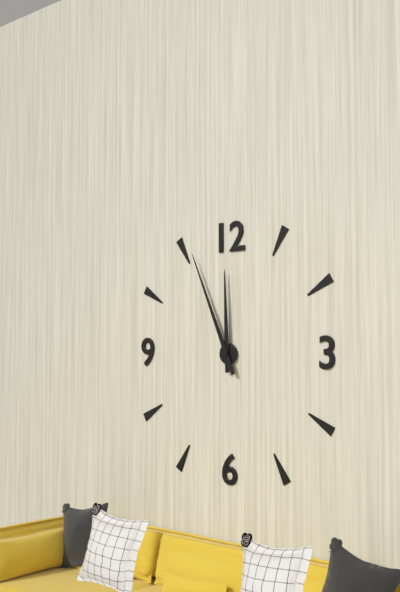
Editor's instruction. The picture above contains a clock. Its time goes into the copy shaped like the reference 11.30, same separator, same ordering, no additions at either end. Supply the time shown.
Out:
11.56
